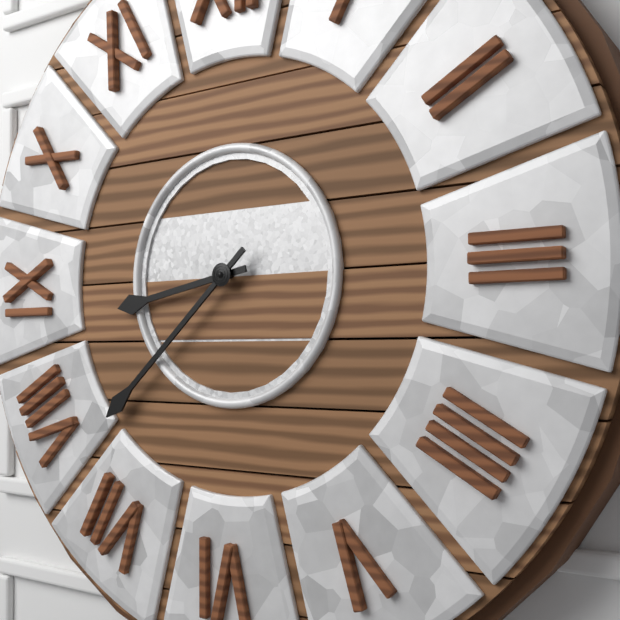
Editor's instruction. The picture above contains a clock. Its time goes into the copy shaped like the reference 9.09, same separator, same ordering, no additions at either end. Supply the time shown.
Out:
8.38
